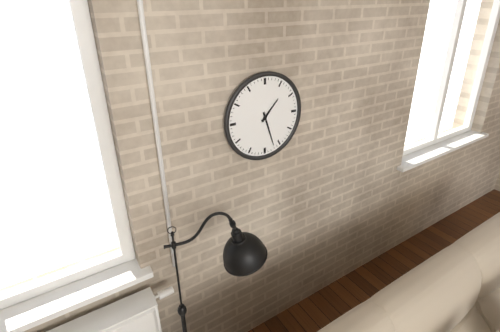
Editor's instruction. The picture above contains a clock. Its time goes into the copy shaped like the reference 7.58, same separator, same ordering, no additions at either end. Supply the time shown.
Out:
1.27
